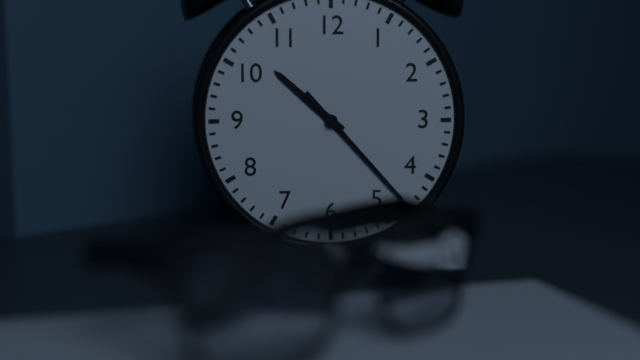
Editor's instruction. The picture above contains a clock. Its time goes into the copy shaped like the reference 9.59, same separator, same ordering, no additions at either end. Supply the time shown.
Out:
10.23
